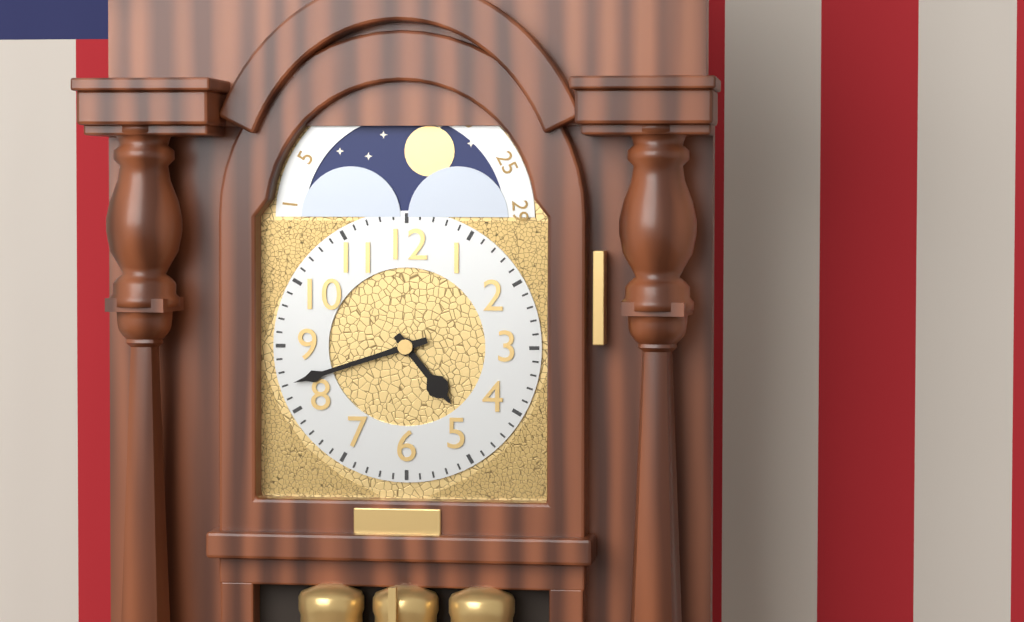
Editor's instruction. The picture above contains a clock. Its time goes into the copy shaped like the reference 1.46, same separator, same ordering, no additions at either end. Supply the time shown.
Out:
4.42
